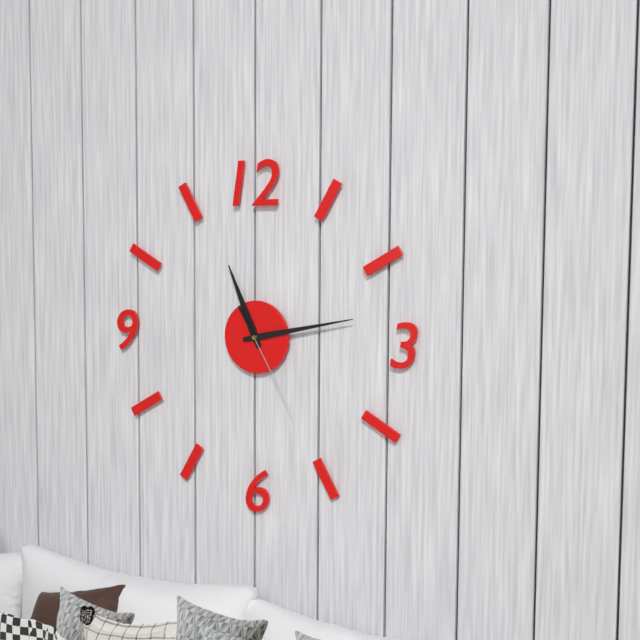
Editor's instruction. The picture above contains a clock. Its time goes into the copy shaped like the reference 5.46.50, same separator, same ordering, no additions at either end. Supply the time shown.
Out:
11.13.25
